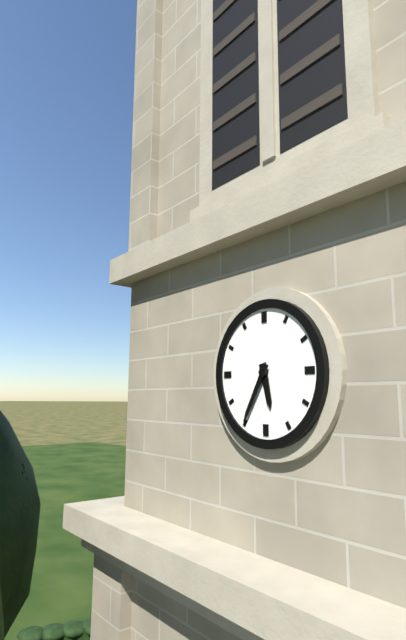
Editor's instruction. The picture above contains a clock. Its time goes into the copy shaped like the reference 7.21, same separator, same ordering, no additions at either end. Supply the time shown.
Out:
5.35
